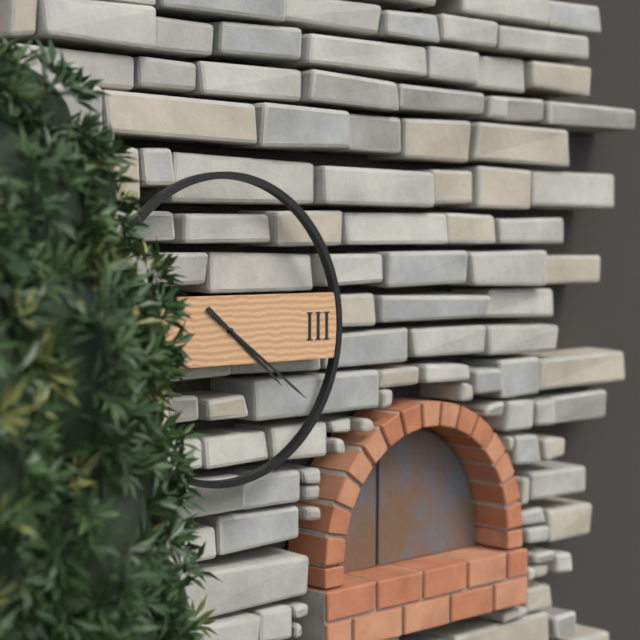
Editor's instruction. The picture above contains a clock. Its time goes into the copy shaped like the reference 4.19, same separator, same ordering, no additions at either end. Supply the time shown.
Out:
4.21
